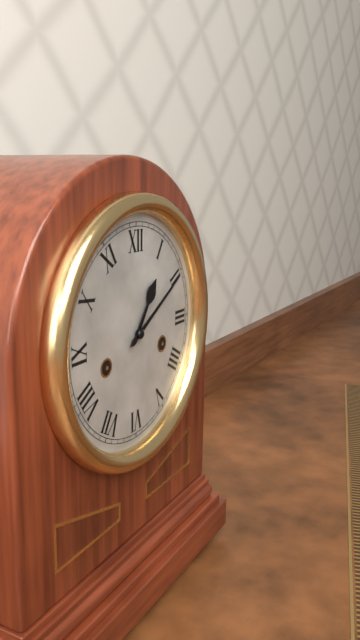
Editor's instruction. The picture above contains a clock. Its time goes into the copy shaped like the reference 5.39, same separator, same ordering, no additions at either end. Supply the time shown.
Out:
1.10
